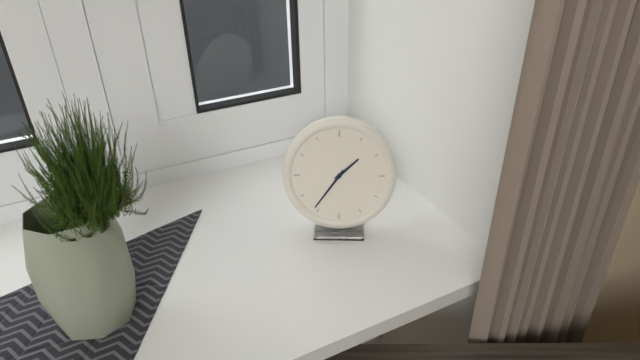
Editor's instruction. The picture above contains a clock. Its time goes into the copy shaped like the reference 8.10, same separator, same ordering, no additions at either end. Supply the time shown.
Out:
1.36
